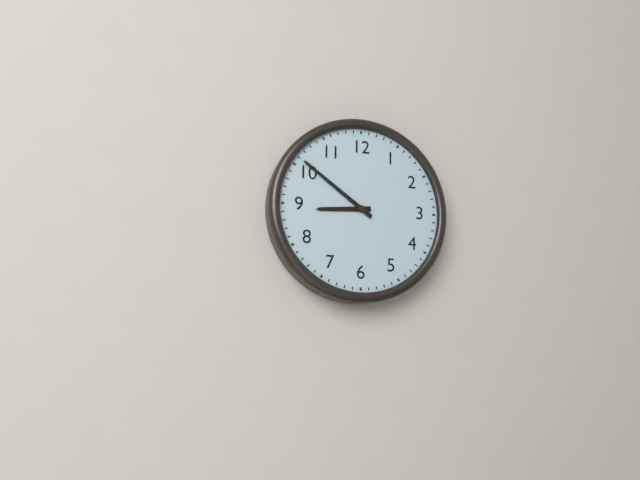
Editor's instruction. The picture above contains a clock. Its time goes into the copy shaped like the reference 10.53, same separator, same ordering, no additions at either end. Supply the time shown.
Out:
8.51
